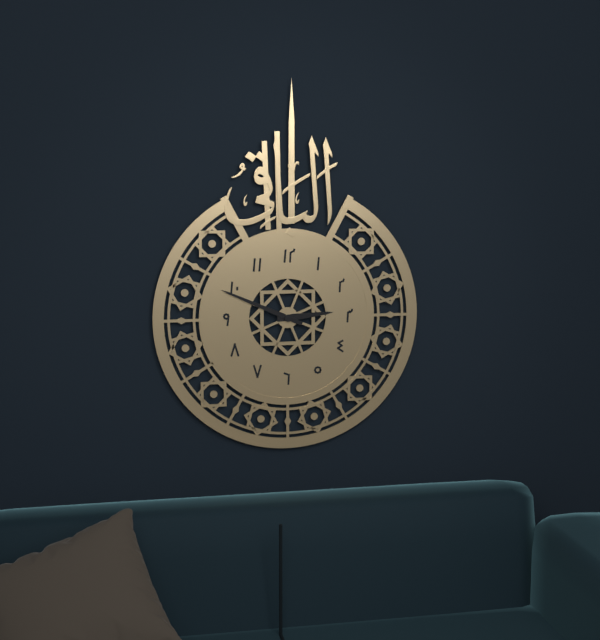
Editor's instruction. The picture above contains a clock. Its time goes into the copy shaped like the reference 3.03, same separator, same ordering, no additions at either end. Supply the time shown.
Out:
2.49
